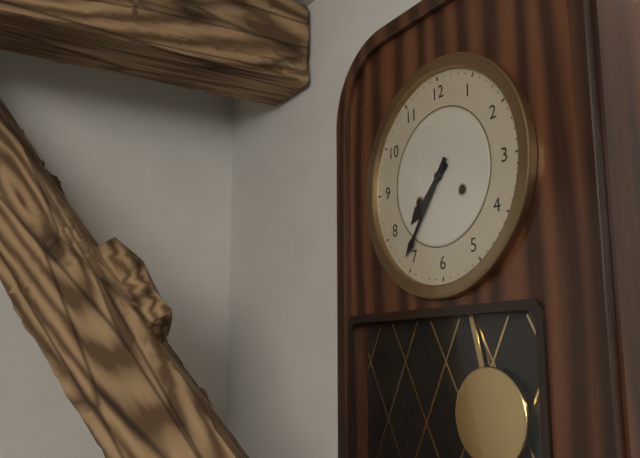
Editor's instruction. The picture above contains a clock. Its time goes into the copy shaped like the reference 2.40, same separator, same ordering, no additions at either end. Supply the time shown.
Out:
7.36
